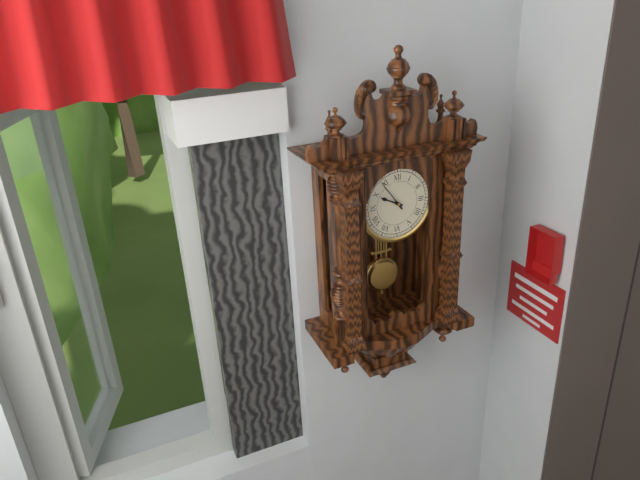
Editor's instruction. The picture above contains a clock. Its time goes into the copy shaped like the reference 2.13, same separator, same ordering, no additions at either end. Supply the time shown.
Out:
9.54
